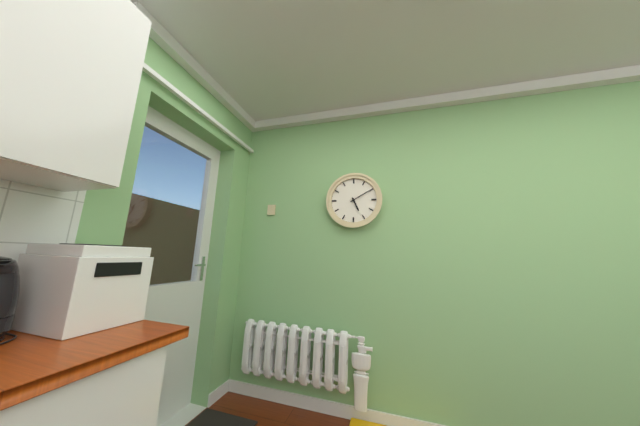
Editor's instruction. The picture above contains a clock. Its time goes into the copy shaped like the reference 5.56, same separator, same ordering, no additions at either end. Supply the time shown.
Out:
5.10
